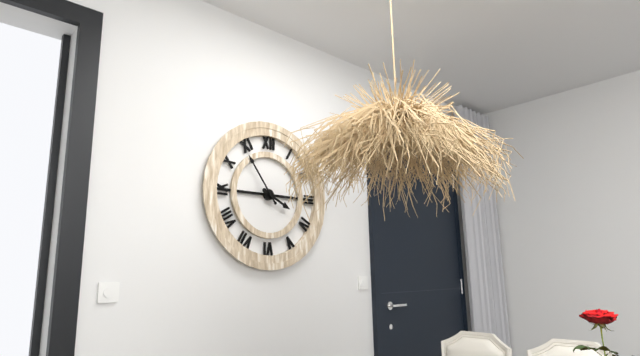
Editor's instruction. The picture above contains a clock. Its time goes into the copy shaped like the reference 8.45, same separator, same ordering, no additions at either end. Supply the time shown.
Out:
3.54
